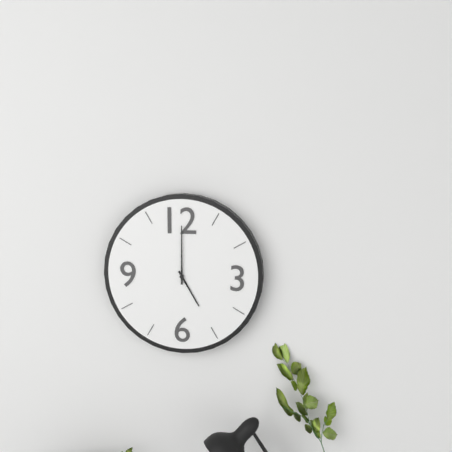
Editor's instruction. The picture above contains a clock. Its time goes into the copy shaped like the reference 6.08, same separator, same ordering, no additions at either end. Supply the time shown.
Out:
5.00
